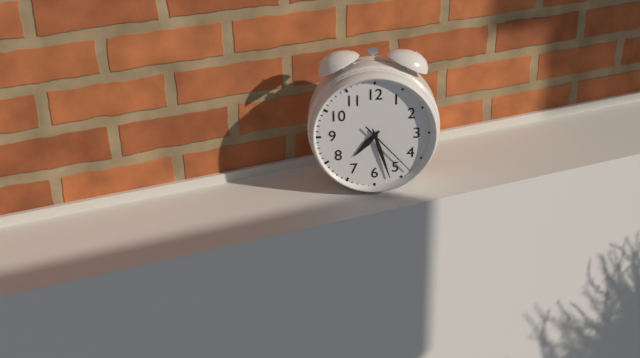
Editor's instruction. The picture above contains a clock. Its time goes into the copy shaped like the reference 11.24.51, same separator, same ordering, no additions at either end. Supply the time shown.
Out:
7.27.23
